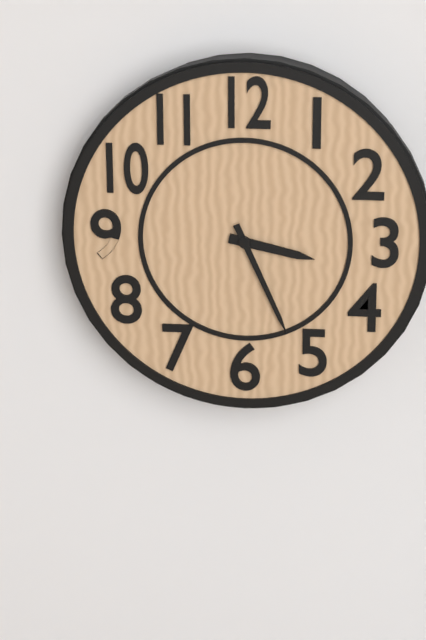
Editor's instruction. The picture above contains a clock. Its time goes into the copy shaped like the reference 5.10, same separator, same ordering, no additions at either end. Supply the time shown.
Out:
3.26
